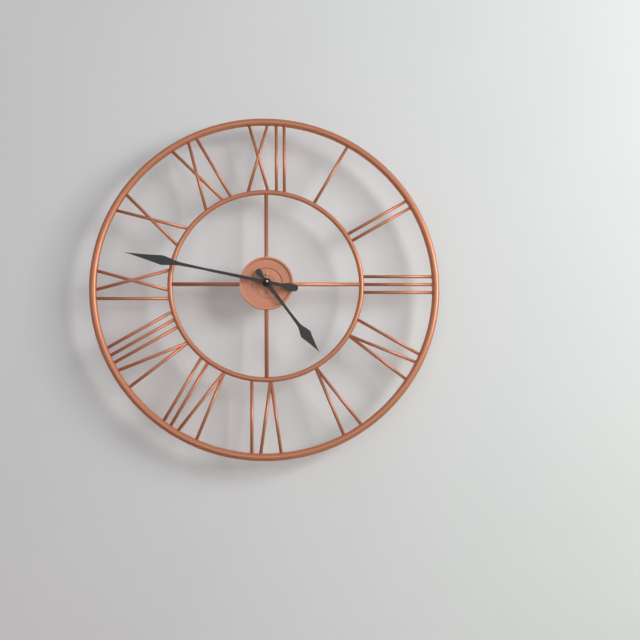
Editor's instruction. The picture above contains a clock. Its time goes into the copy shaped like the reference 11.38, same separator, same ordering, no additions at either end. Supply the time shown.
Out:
4.47
